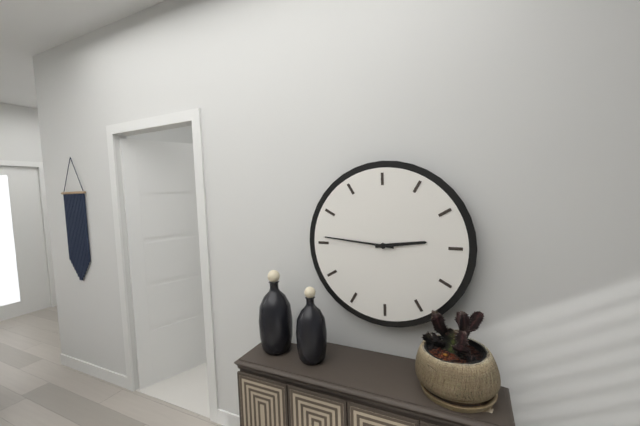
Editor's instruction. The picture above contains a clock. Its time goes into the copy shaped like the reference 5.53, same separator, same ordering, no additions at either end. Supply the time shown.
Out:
2.46
